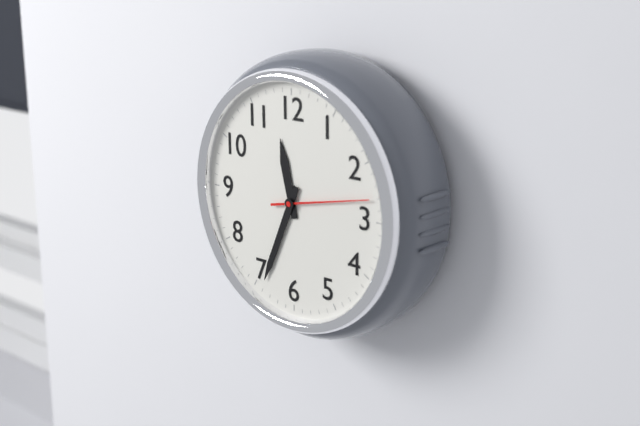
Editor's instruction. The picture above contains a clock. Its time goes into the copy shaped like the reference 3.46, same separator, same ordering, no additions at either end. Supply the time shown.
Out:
11.34
